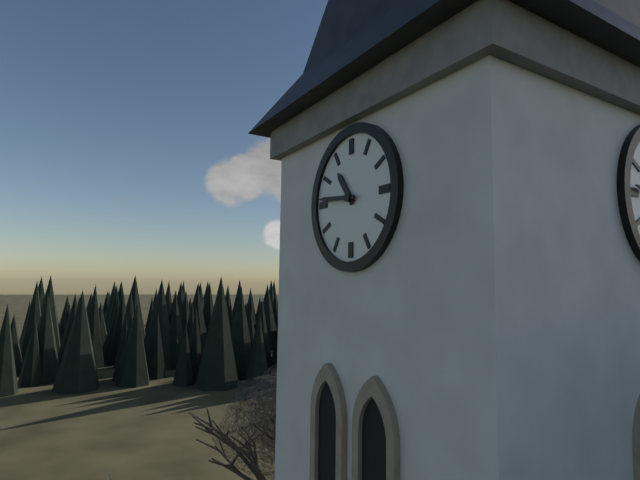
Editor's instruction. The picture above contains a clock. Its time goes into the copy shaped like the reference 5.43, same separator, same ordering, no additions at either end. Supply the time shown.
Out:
10.46
